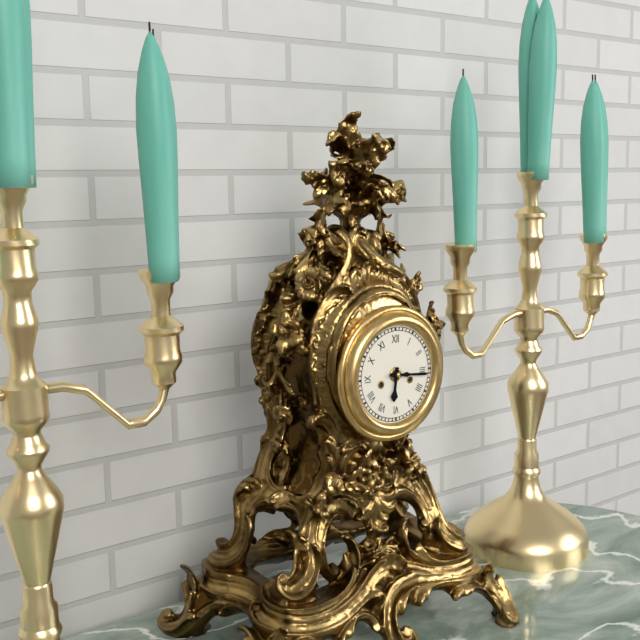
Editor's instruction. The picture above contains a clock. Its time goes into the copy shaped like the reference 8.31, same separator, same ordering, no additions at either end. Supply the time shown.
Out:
6.16
